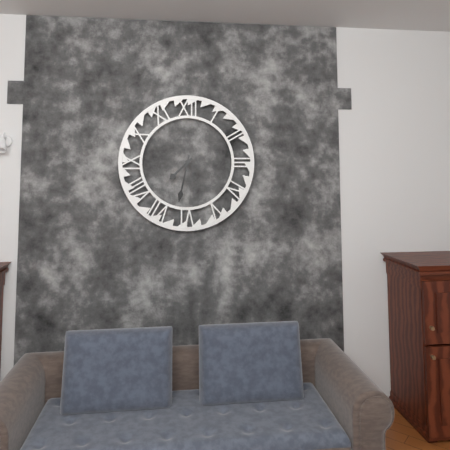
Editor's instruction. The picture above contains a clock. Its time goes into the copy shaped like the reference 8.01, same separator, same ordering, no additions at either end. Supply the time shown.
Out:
7.32
